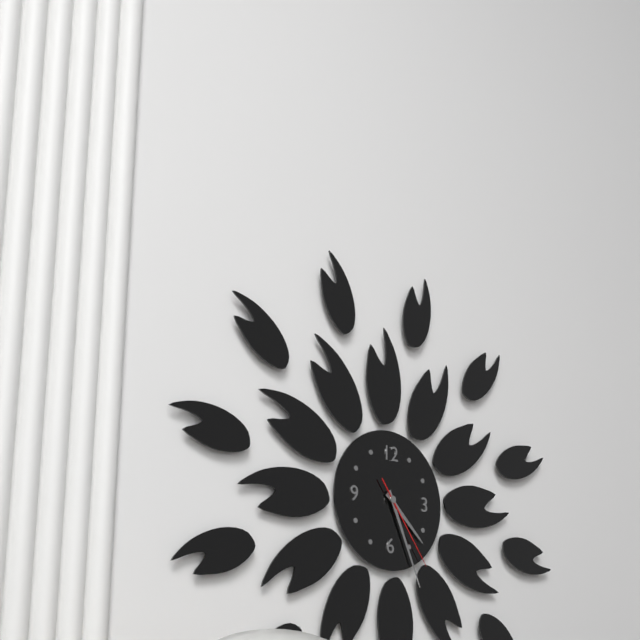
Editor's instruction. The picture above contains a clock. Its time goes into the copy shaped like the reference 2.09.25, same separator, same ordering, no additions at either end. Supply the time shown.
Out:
4.26.24
